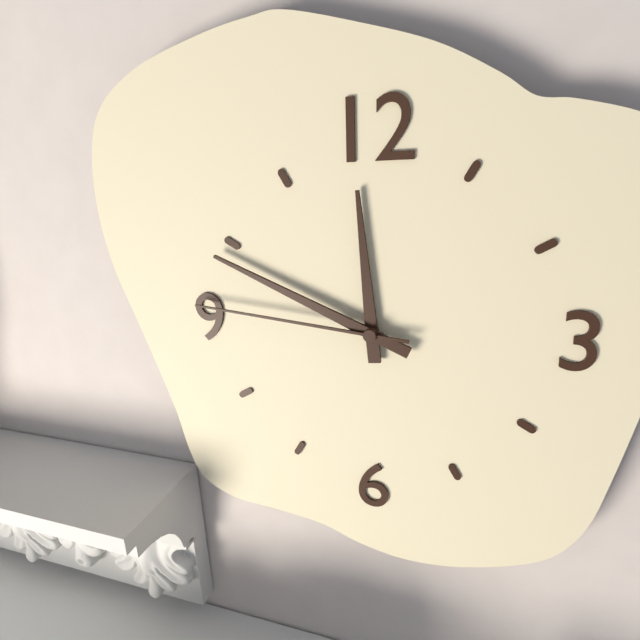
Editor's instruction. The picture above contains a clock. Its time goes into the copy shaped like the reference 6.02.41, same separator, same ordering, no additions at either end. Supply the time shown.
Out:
11.49.46
